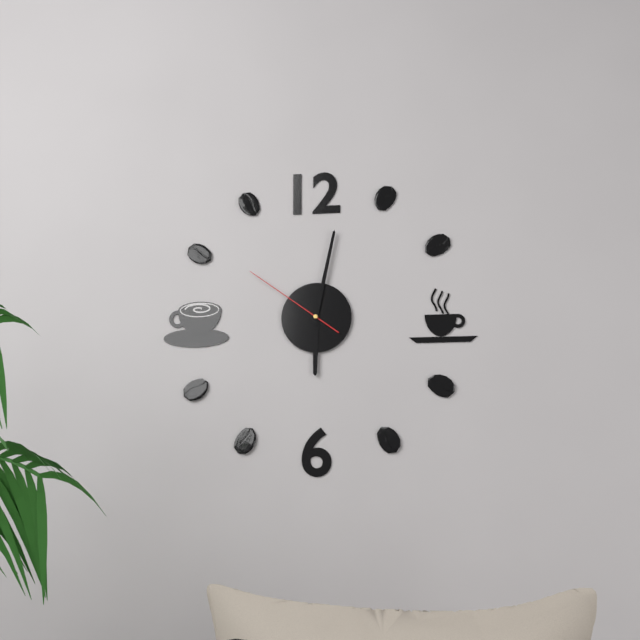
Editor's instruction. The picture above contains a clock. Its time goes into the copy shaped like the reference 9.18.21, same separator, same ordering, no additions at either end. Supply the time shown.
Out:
6.02.51
